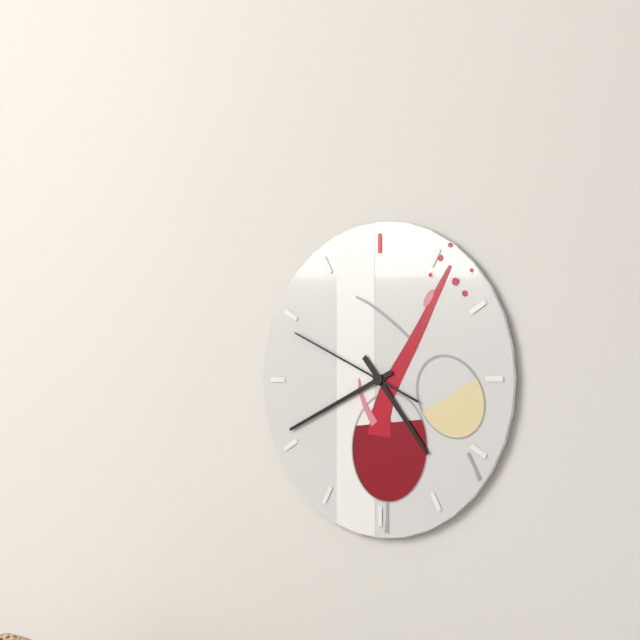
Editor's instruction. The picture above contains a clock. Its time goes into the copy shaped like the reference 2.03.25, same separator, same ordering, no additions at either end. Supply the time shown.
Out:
4.41.49
